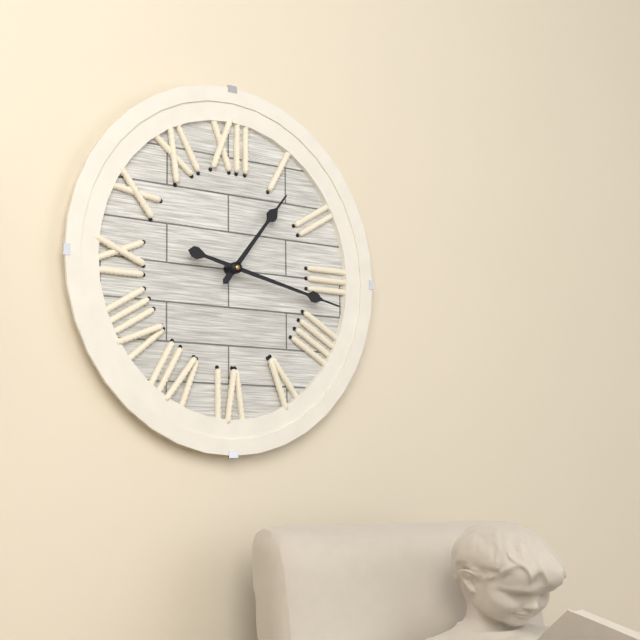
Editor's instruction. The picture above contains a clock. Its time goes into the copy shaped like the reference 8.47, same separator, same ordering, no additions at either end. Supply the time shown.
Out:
1.17
